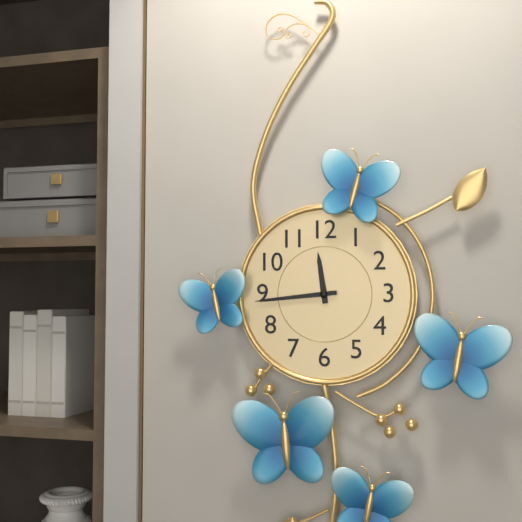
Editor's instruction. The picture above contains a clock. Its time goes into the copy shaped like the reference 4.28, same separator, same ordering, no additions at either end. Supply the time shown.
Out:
11.44
